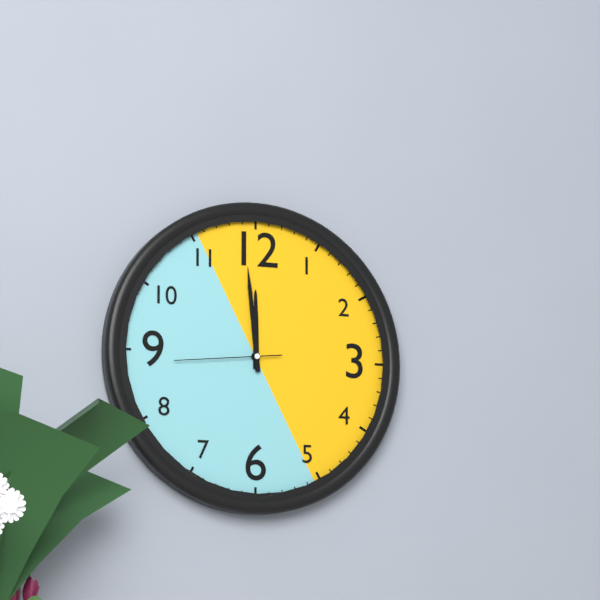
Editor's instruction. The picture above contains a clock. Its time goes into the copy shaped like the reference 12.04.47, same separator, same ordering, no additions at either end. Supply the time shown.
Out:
11.59.44
